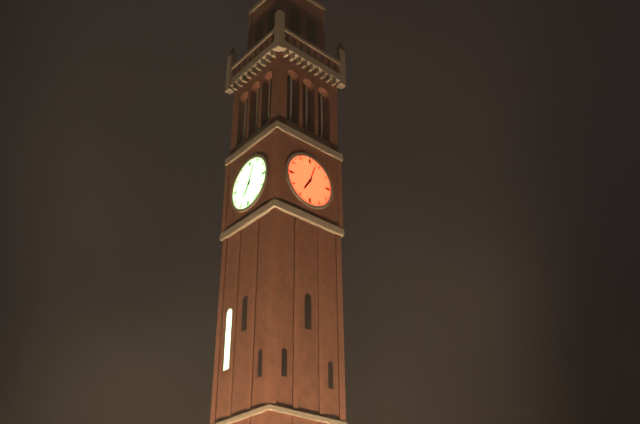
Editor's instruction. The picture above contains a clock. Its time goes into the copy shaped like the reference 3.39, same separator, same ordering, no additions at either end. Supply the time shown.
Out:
7.03
